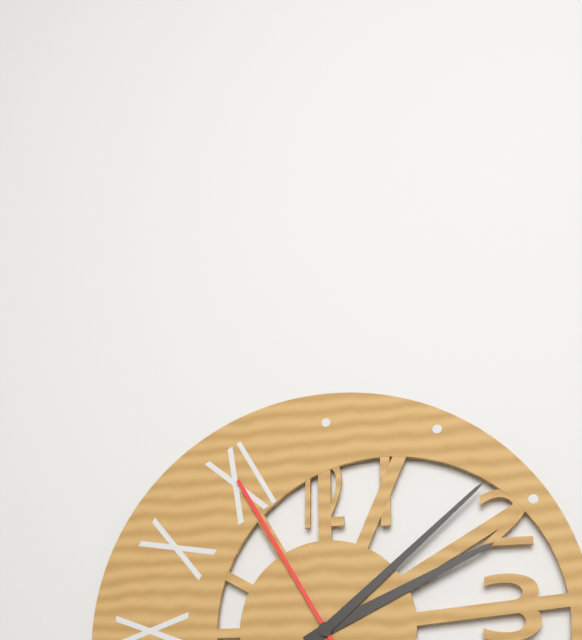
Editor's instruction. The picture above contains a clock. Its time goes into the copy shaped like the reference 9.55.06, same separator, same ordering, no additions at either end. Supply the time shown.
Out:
2.08.55
